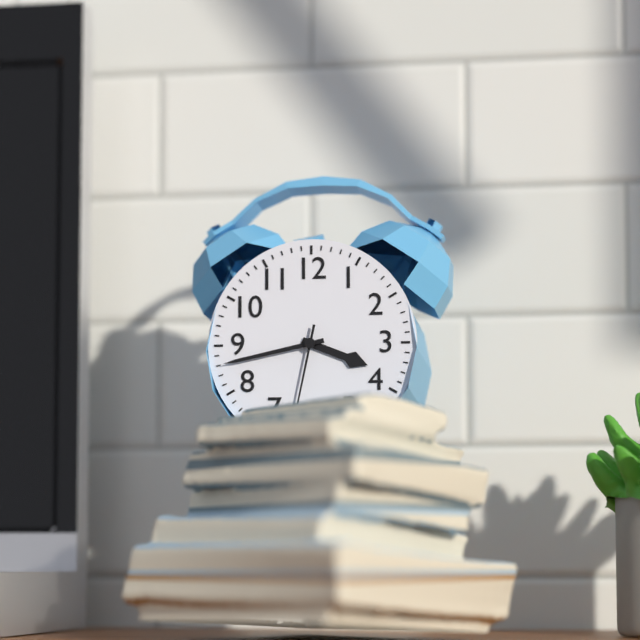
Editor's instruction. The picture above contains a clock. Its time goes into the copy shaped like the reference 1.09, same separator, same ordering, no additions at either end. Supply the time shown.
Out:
3.43
